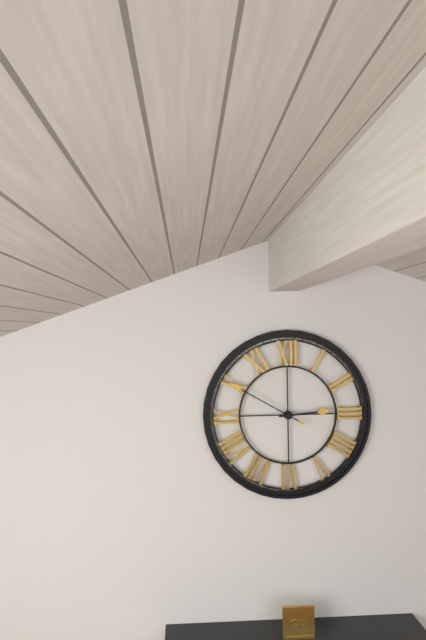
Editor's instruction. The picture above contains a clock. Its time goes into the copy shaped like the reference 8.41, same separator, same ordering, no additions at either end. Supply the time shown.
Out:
2.50
